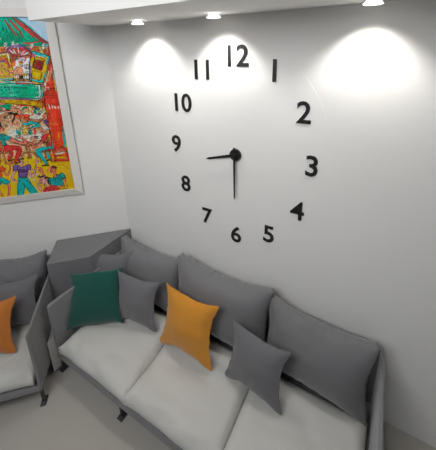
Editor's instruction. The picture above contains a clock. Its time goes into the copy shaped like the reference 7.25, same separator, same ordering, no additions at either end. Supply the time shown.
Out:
8.30
